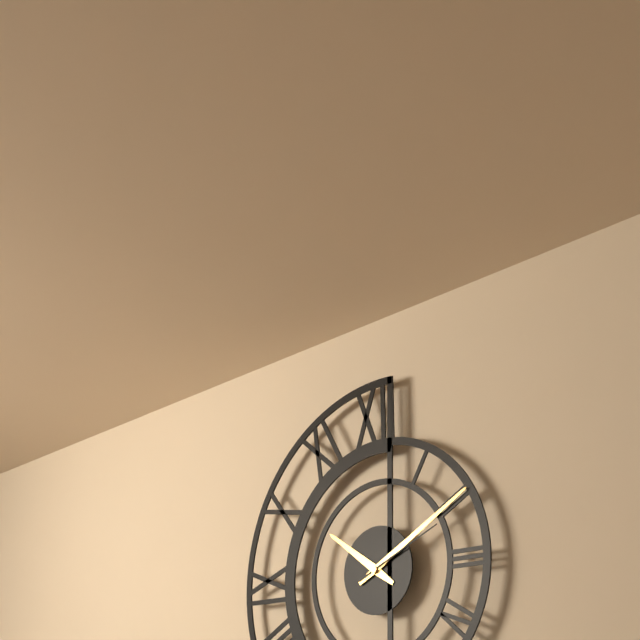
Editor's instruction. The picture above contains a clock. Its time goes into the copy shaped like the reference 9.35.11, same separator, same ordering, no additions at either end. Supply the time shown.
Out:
10.10.11
